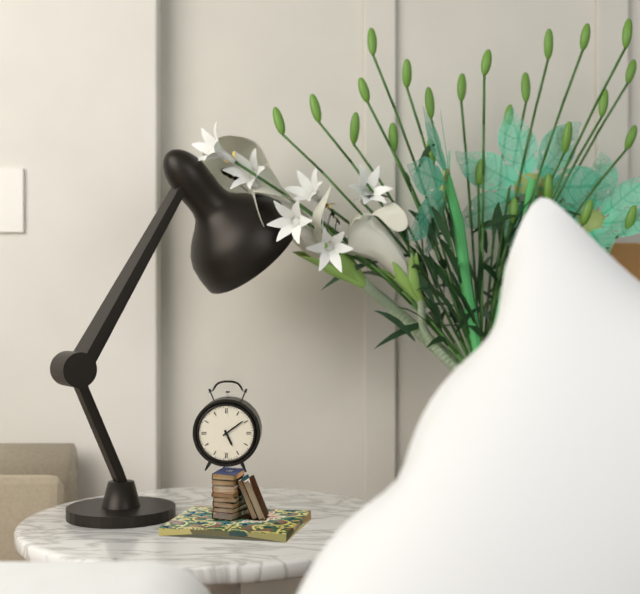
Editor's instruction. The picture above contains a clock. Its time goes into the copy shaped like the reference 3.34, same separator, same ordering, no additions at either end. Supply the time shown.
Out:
5.09
